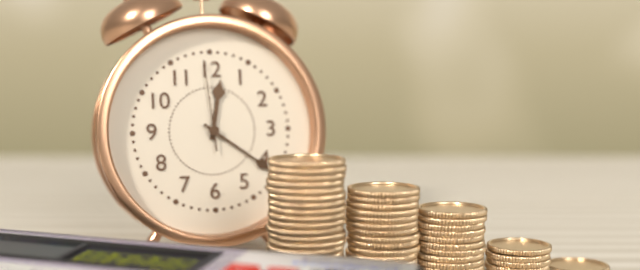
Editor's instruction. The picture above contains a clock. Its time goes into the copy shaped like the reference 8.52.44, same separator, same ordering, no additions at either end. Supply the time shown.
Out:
12.21.59
